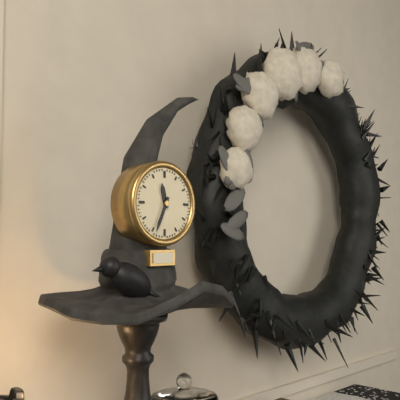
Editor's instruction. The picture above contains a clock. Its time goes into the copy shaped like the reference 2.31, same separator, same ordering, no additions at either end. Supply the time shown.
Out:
11.34
